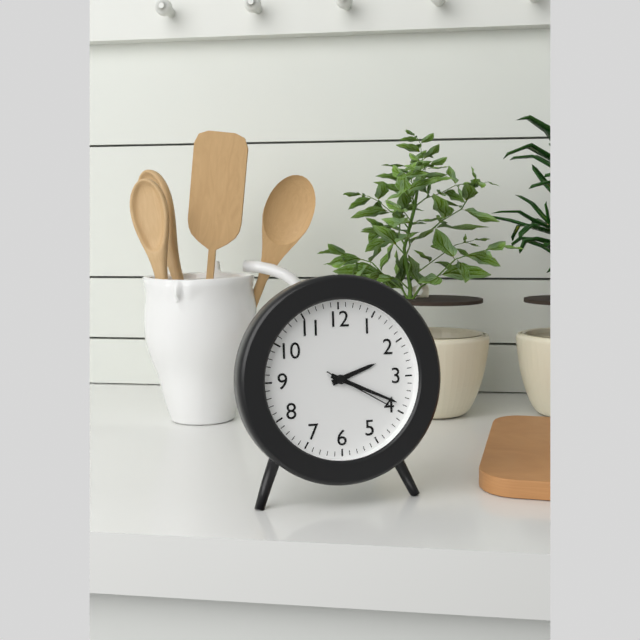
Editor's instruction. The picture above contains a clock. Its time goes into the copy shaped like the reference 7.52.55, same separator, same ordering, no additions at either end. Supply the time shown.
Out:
2.19.20
